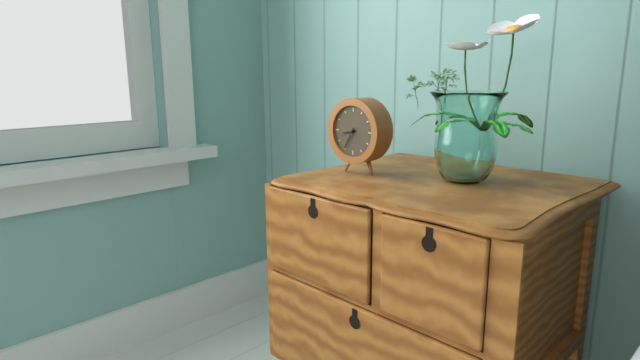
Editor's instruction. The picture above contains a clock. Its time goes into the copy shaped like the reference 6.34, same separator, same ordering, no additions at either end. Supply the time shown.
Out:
8.35
